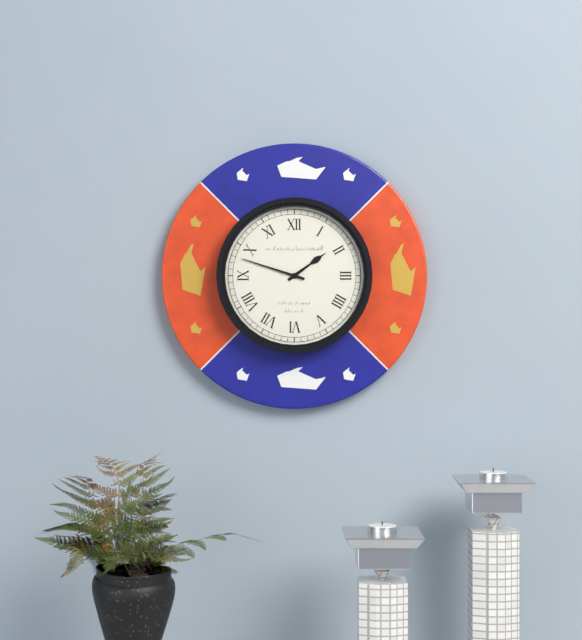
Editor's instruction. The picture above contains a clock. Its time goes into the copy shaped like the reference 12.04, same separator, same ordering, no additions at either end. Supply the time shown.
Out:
1.48
